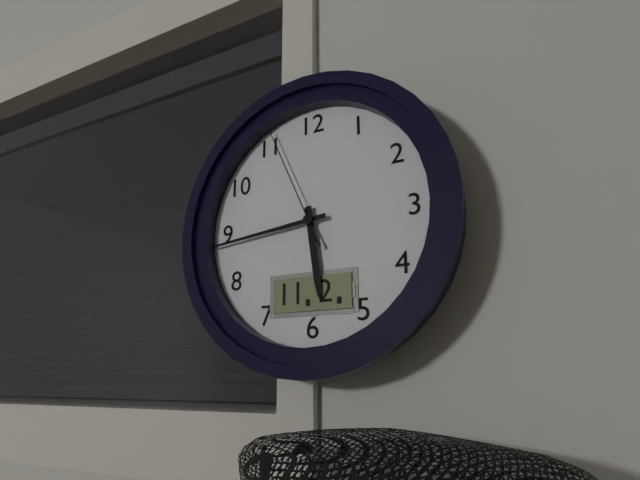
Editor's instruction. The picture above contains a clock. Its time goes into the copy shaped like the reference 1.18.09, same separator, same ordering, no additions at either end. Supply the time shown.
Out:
5.44.56
